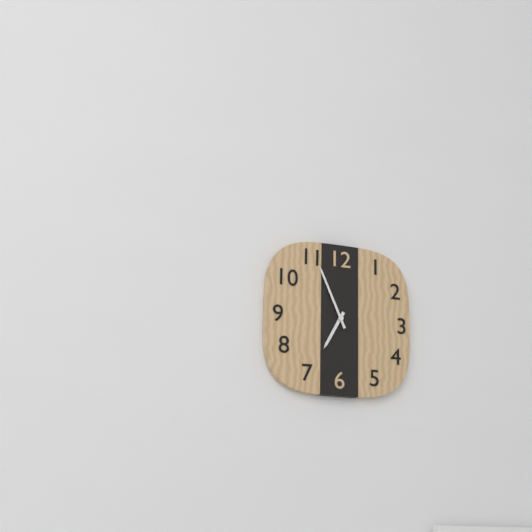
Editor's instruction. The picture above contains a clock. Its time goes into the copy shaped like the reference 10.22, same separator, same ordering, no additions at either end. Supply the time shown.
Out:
6.56
